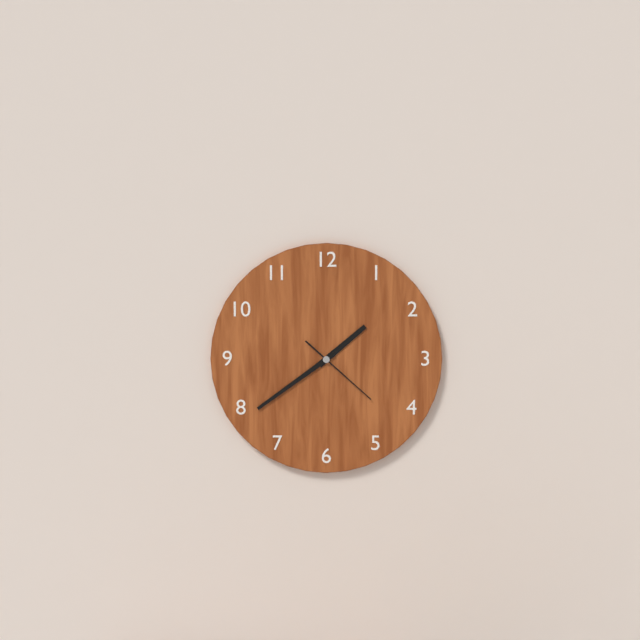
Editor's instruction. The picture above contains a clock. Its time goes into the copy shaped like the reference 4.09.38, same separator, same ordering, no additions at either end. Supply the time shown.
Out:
1.39.22
